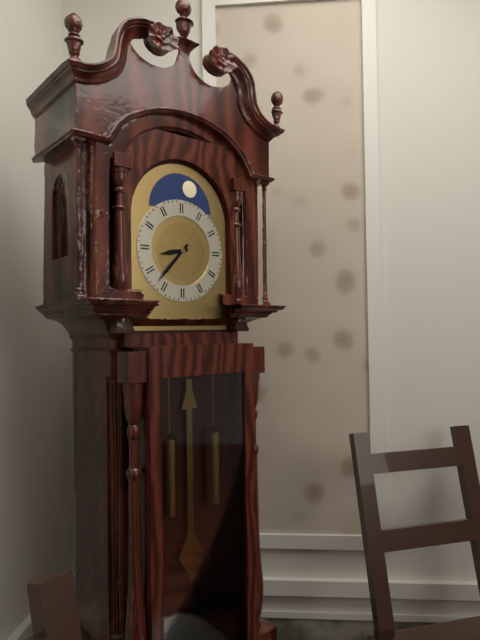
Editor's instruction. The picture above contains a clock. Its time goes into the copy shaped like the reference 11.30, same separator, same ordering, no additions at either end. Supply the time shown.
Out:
8.37
